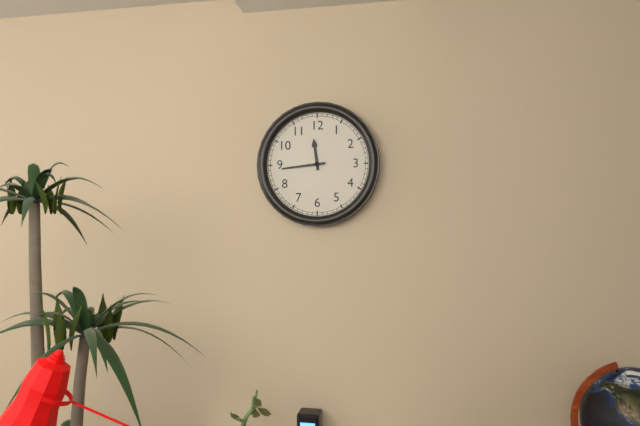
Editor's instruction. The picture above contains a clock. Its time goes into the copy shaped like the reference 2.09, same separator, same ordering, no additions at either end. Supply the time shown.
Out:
11.44
